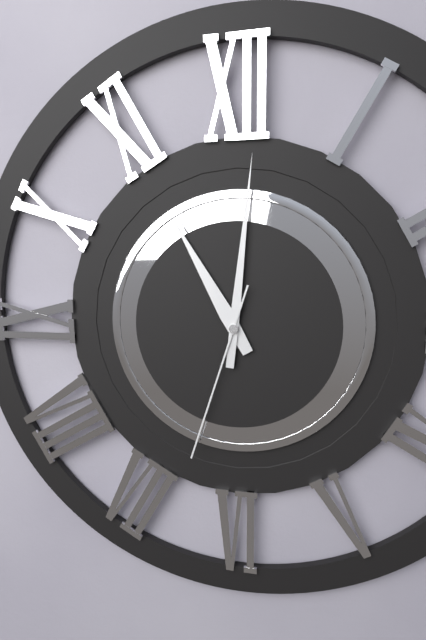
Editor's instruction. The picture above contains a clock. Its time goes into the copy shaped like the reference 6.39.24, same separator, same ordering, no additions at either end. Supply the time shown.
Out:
11.01.33
